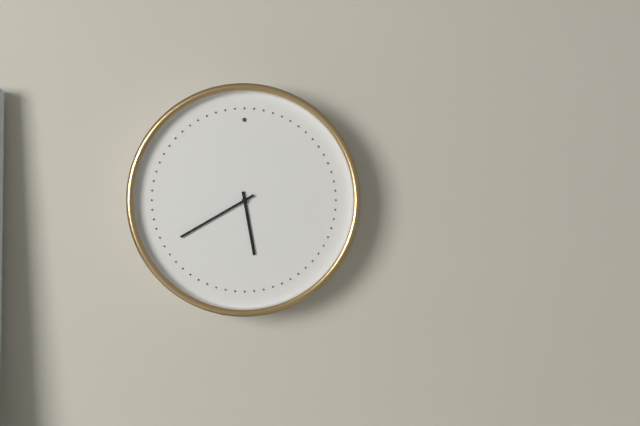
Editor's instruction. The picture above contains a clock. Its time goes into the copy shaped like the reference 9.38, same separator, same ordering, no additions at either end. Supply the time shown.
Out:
5.40
